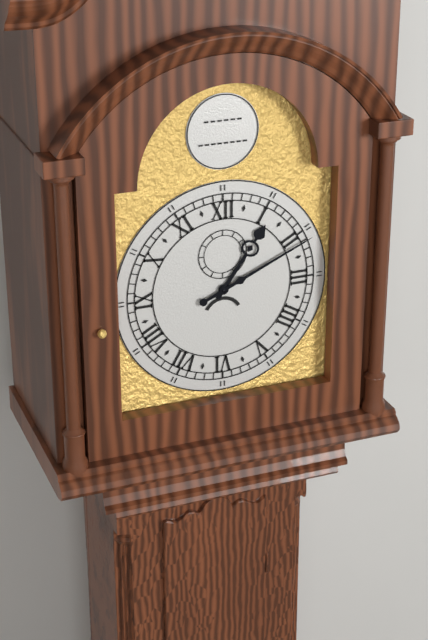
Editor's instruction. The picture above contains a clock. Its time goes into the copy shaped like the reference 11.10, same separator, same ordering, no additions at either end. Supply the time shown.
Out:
1.11
